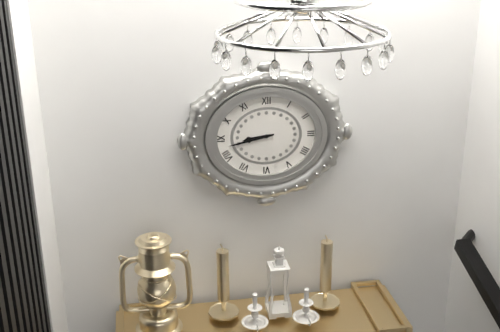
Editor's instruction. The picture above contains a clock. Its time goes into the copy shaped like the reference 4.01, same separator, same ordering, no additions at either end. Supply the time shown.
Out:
8.43
